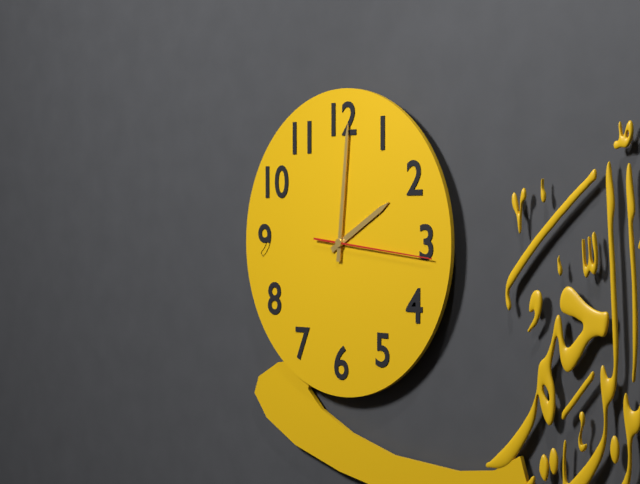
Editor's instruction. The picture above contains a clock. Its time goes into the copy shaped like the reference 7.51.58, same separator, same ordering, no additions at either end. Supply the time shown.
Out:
2.01.16
